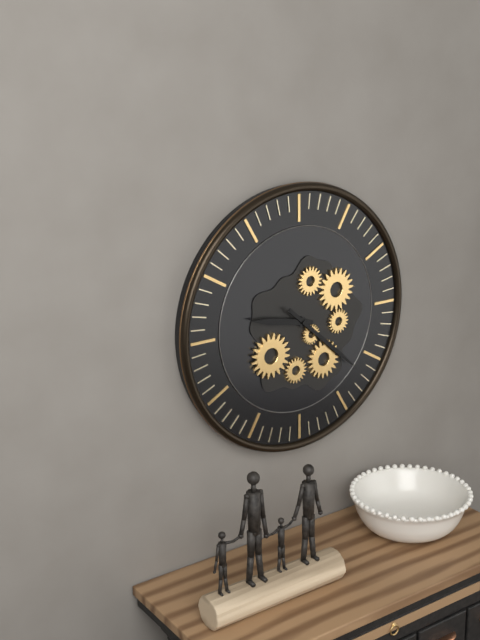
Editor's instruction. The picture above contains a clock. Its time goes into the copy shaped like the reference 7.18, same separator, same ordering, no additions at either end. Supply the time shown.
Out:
9.22
